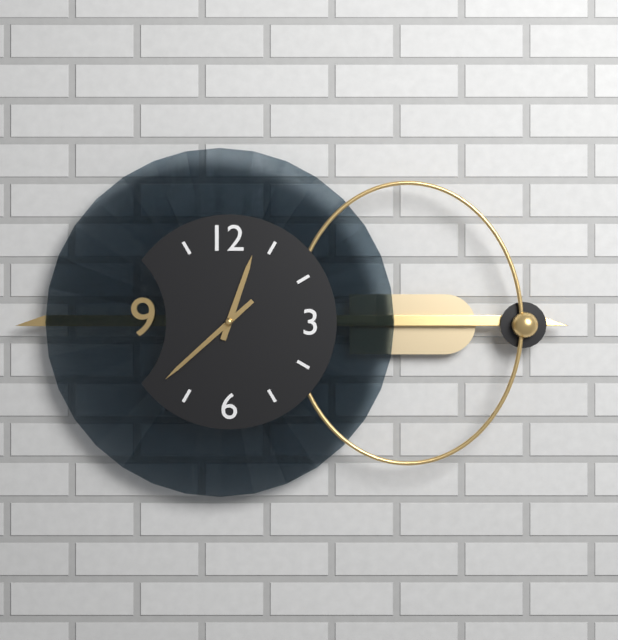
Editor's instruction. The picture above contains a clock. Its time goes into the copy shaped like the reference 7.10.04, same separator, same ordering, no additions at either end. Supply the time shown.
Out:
12.38.38
